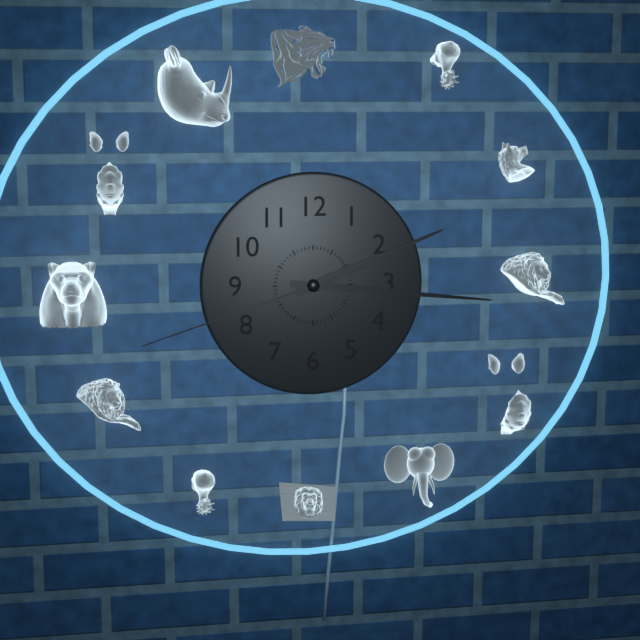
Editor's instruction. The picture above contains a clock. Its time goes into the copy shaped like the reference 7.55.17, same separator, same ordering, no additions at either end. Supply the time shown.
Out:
2.16.42
